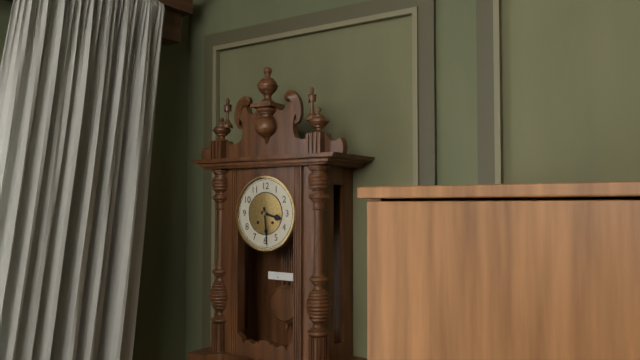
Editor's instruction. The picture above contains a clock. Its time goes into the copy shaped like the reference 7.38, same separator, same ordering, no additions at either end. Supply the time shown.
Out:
3.29
